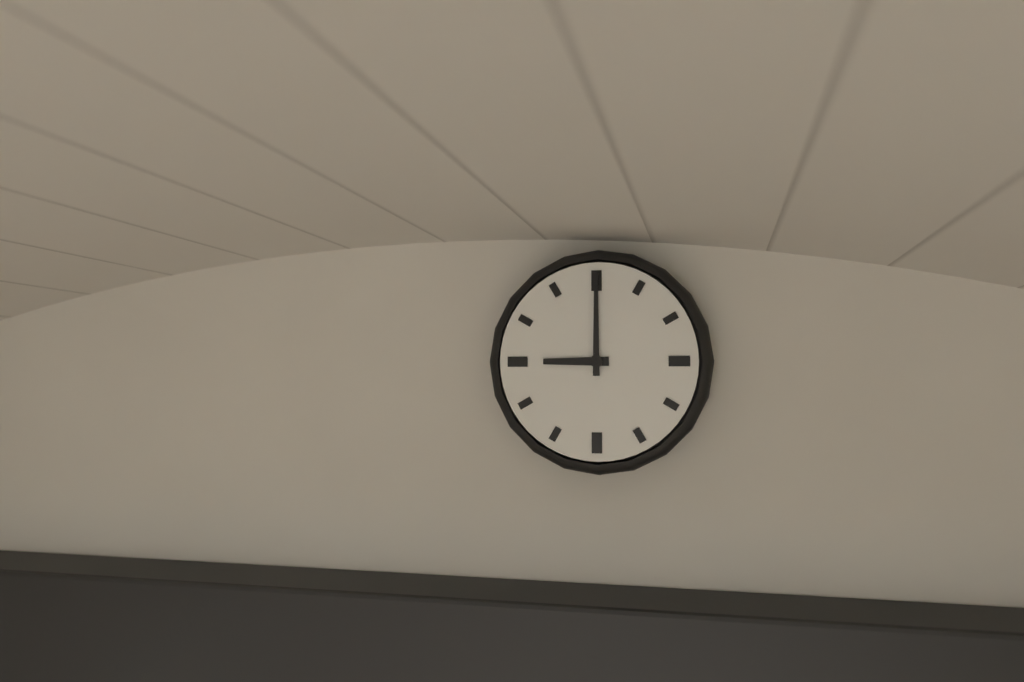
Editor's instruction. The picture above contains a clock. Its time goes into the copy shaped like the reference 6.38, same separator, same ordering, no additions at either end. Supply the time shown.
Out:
9.00
